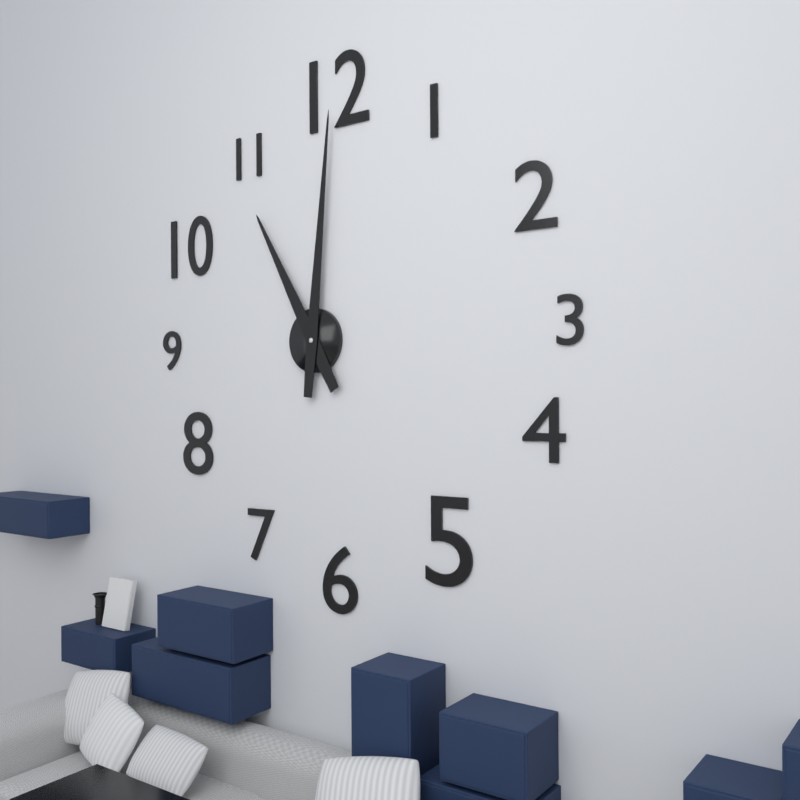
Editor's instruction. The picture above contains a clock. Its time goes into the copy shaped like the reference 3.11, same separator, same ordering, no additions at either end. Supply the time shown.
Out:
11.01
